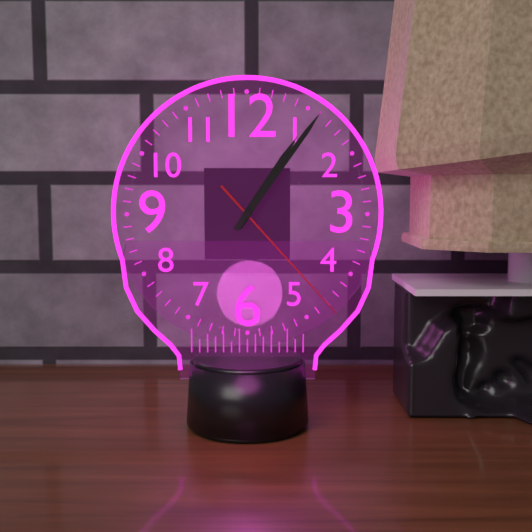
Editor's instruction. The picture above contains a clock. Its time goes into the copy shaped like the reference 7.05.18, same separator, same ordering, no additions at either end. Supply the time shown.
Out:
1.06.23
